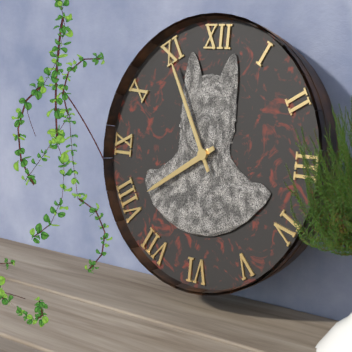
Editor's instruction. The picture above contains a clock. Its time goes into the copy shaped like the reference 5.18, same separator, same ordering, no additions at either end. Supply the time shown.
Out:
7.55
